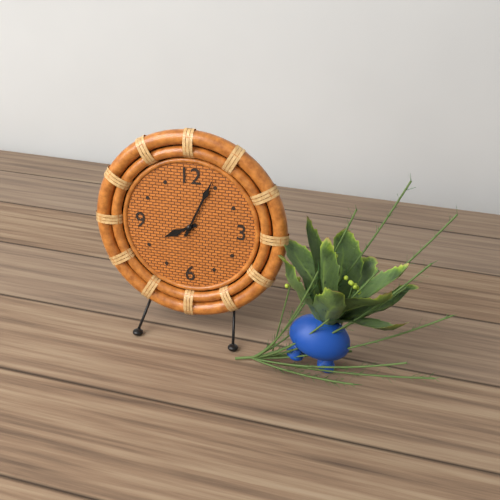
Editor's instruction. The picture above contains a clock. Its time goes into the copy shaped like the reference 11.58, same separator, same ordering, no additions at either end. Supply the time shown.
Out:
8.04
